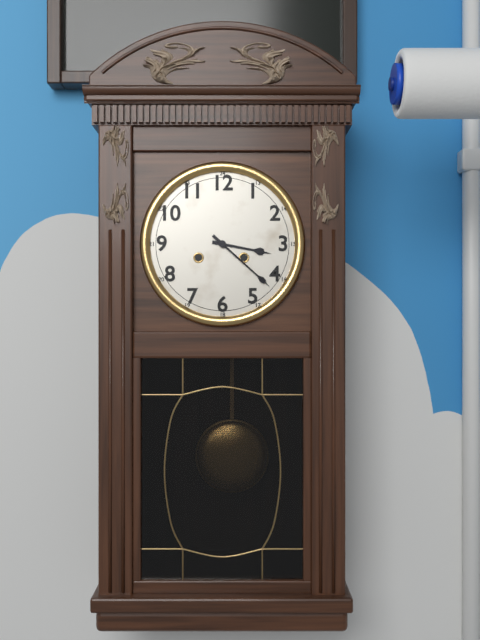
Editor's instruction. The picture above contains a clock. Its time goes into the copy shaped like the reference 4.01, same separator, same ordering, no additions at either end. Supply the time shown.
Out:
3.22
